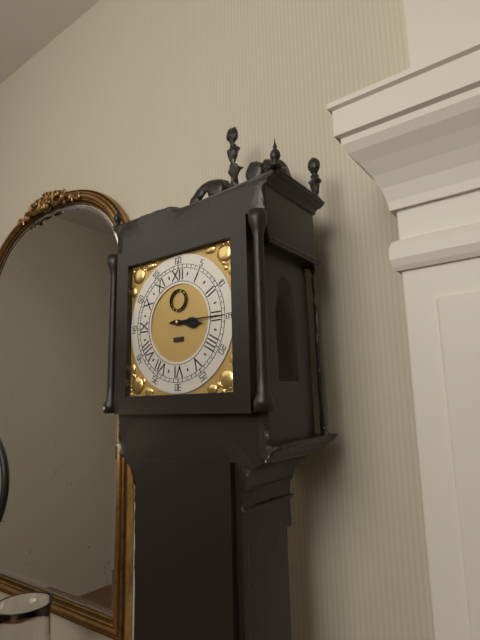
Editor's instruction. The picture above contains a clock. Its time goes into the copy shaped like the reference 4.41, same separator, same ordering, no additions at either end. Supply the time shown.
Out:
3.15
